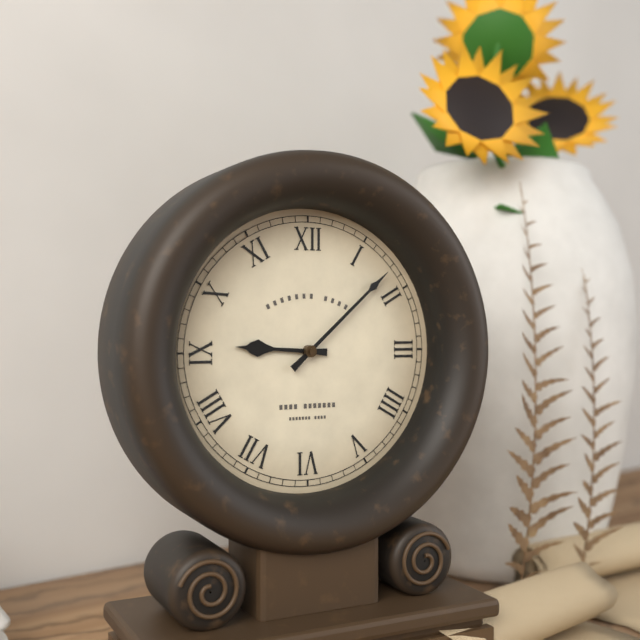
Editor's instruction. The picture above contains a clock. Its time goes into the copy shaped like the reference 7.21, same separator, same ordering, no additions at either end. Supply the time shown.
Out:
9.08
